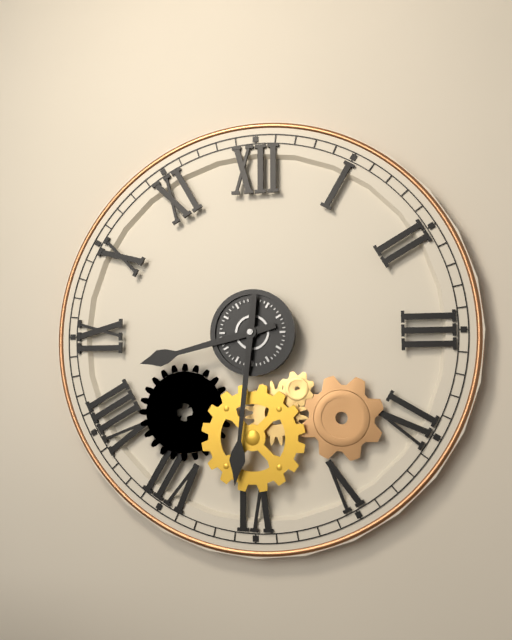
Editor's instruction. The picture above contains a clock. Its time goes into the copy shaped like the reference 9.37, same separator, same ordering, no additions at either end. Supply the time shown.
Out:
8.31
